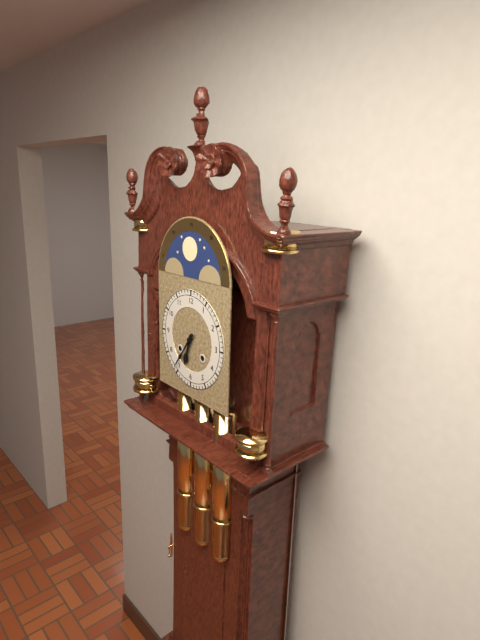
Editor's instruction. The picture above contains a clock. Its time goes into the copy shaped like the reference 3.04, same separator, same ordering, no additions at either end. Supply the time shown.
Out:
6.36
